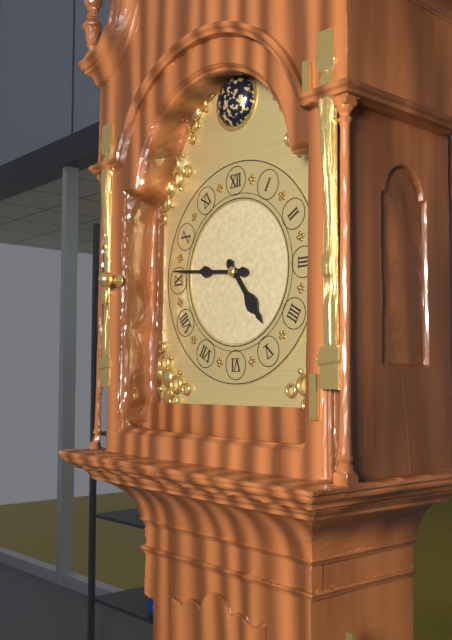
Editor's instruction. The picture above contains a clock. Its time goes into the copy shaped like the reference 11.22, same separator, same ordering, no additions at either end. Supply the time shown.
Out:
4.46
